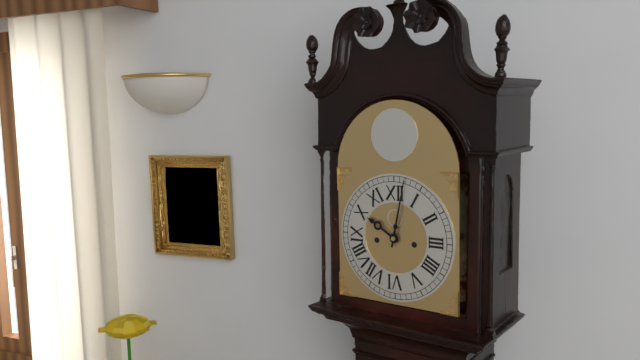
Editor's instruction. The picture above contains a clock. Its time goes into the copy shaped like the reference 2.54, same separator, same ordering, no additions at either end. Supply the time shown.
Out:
10.02
